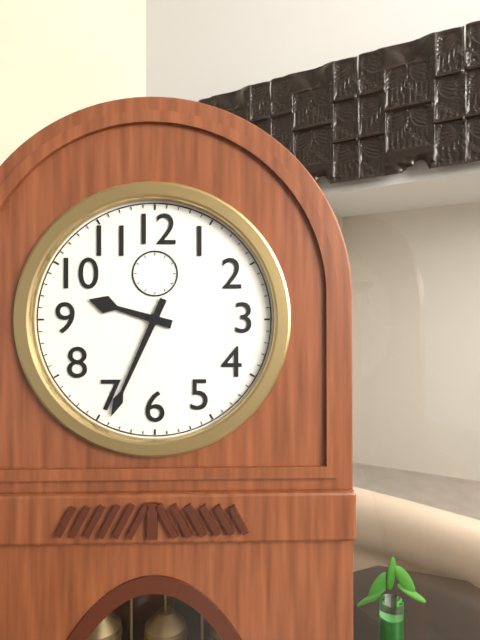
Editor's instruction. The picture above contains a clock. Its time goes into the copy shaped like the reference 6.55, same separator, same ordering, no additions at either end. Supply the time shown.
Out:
9.34
